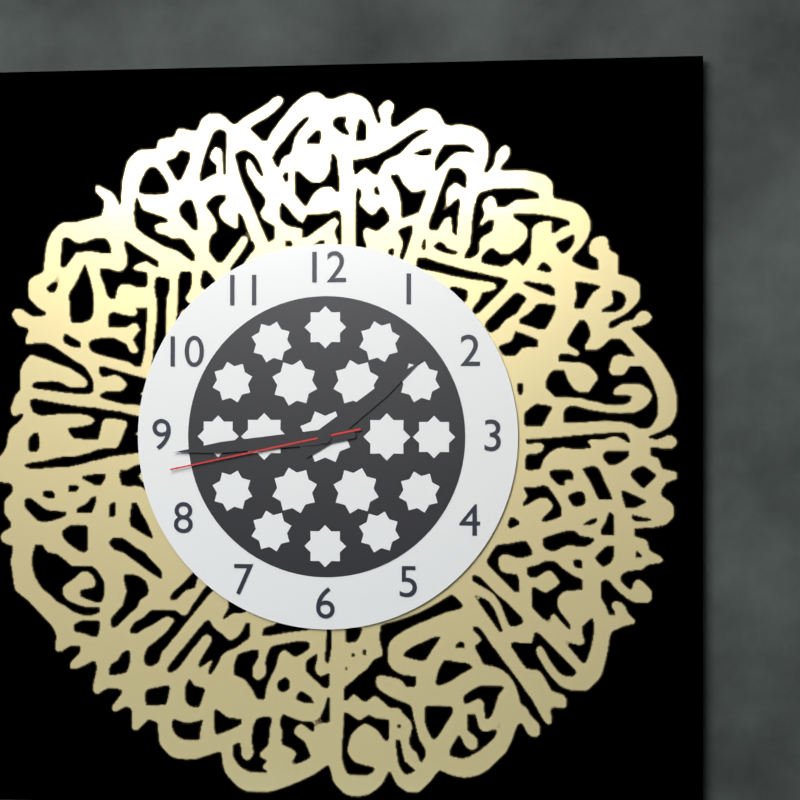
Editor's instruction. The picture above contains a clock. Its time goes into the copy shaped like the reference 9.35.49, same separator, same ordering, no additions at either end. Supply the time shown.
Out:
1.44.43
